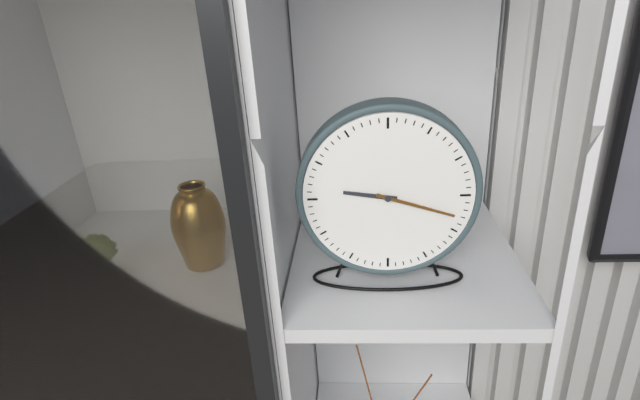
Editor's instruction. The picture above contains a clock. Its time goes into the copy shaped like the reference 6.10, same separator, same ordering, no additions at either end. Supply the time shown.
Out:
9.18
